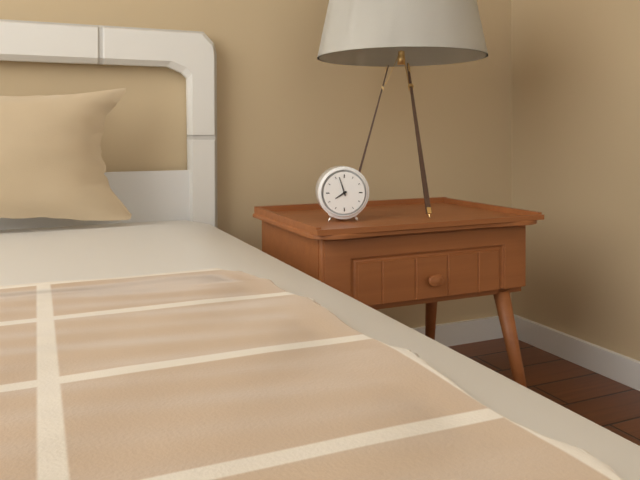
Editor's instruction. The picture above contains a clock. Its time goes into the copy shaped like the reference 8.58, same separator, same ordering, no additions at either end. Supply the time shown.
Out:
7.57
